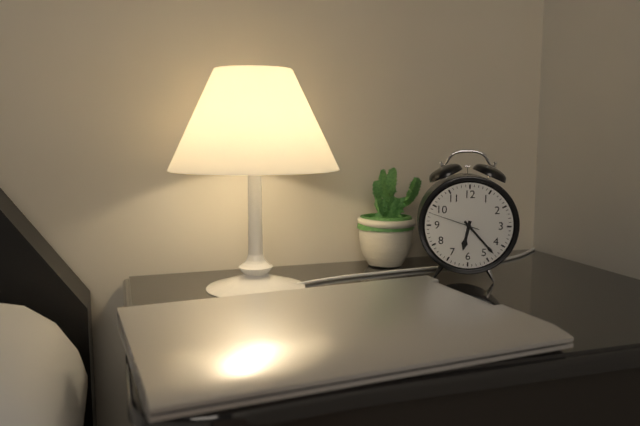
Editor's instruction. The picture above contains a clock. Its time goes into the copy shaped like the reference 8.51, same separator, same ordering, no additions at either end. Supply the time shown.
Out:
6.23
